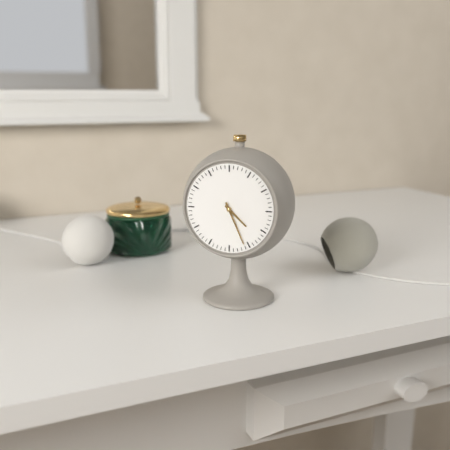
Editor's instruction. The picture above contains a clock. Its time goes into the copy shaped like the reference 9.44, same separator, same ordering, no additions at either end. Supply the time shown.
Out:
4.26
